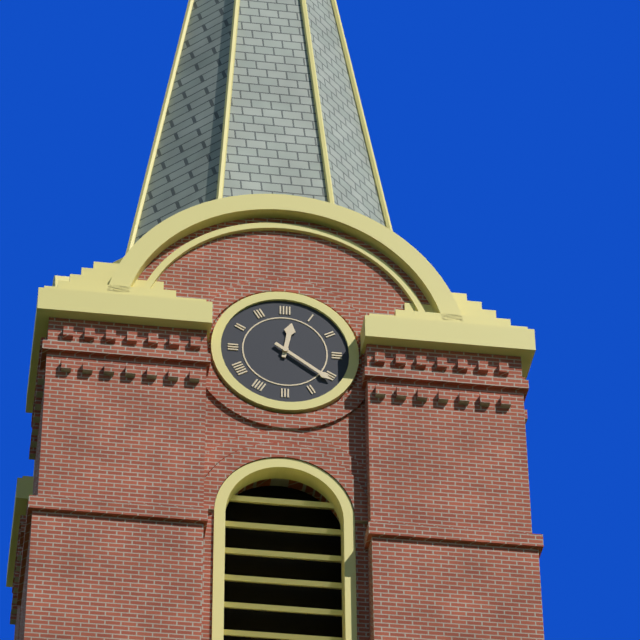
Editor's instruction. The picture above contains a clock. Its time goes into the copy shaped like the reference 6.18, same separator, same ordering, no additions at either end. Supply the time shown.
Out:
12.21
